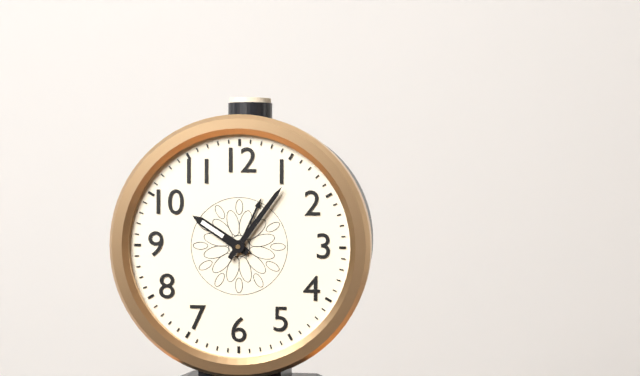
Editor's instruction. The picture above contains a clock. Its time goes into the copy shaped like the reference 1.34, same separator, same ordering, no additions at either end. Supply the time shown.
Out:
10.06
